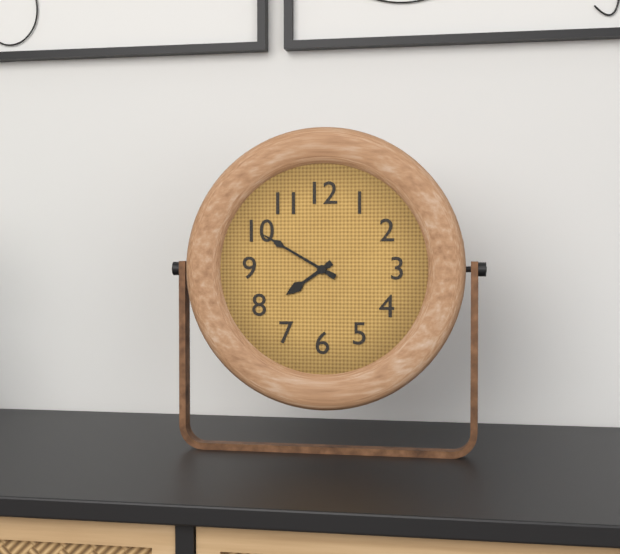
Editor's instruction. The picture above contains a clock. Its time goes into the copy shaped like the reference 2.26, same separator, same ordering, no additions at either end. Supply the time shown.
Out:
7.50
